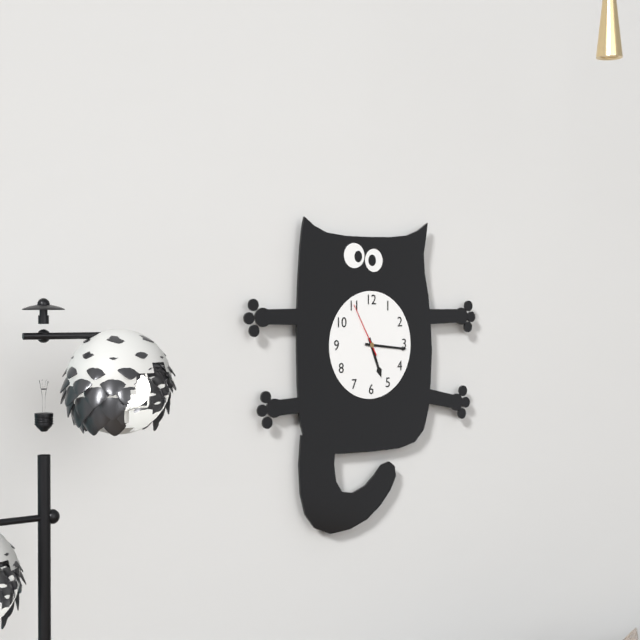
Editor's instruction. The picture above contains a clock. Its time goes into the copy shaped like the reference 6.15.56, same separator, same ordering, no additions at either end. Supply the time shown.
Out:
5.16.55
